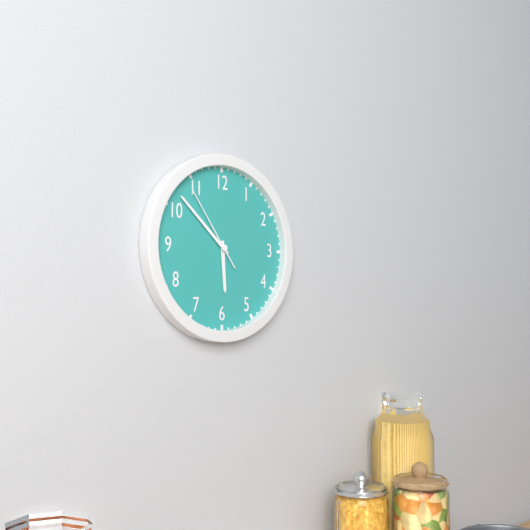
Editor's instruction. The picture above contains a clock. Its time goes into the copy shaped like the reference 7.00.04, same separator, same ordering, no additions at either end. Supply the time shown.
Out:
5.52.54
